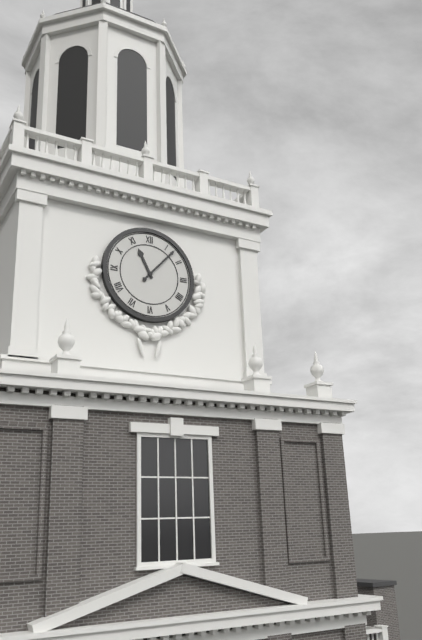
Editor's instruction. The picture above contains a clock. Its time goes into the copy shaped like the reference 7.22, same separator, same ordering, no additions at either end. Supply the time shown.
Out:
11.07
